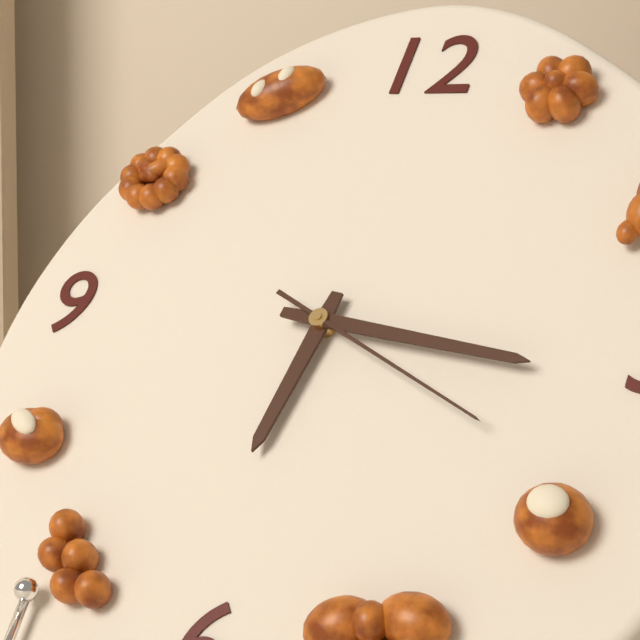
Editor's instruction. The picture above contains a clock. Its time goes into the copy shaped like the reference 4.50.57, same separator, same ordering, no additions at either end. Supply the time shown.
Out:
6.16.19
